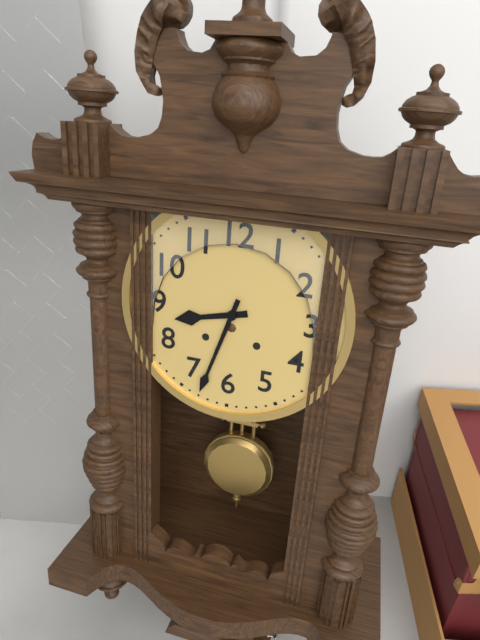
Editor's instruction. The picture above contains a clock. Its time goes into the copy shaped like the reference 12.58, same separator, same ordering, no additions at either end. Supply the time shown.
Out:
8.33
